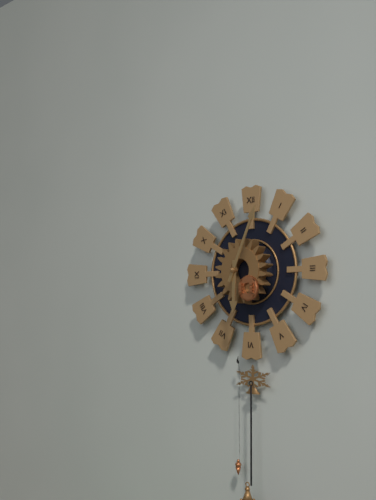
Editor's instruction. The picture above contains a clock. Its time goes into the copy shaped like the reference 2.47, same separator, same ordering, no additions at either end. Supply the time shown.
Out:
6.04
